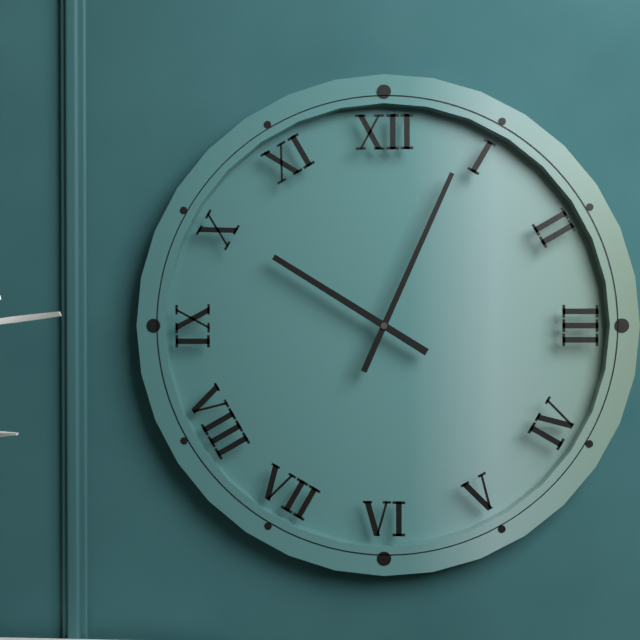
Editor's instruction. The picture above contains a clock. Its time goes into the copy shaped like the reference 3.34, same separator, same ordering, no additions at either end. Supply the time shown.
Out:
10.04
